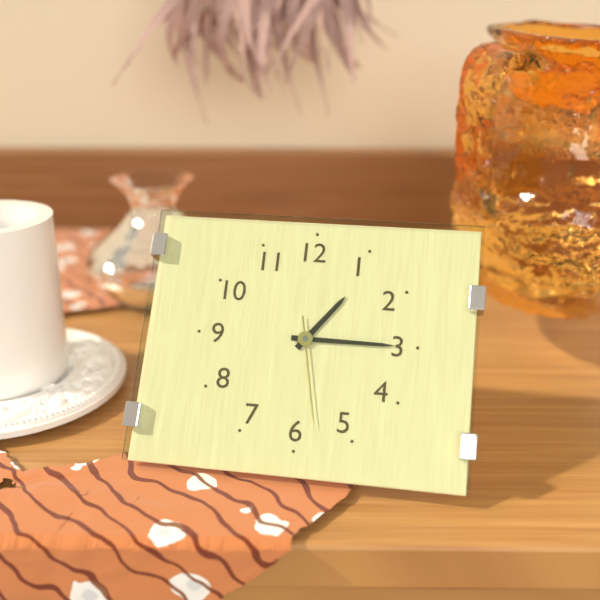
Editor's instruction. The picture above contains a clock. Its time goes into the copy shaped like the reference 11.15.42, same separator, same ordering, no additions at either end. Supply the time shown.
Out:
1.15.28
